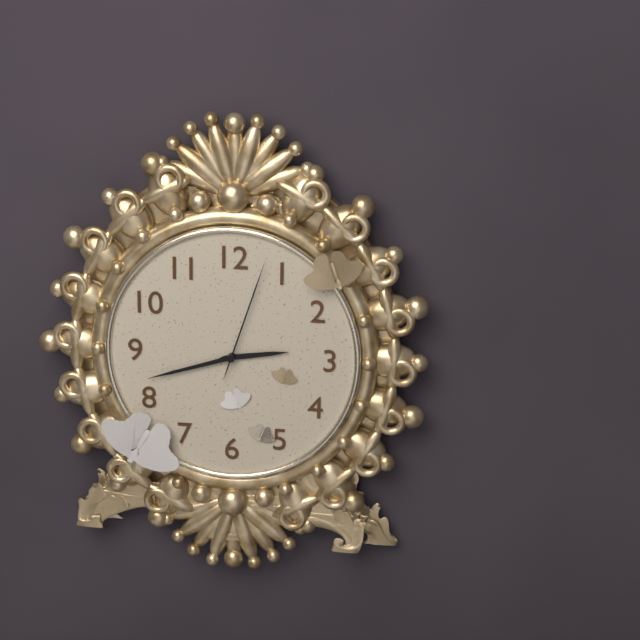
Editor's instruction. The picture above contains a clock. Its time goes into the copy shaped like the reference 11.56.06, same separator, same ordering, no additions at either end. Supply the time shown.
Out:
2.42.03
